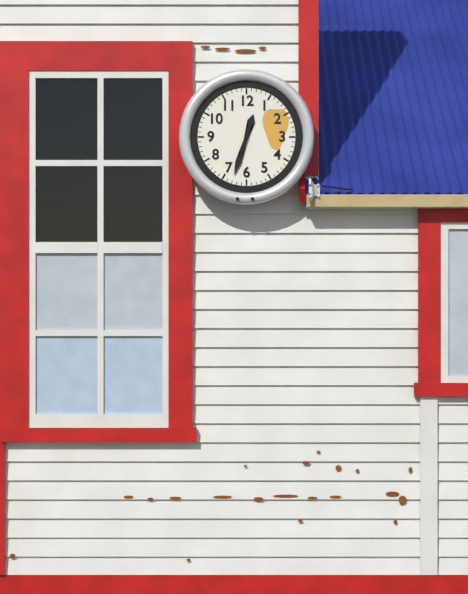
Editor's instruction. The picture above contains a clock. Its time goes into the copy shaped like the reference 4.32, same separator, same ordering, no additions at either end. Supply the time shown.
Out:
12.33
